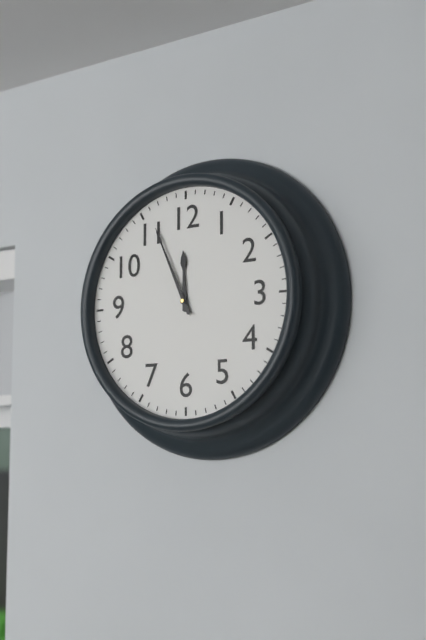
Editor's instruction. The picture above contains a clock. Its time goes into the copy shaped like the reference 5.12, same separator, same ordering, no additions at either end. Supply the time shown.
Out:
11.56
